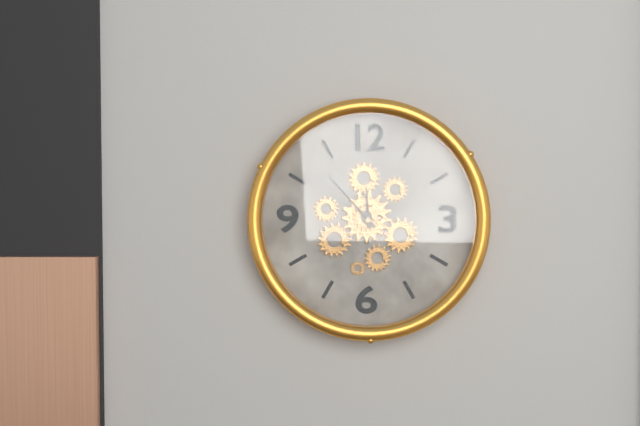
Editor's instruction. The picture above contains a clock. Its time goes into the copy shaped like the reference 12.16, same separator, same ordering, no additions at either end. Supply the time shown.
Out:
11.53
